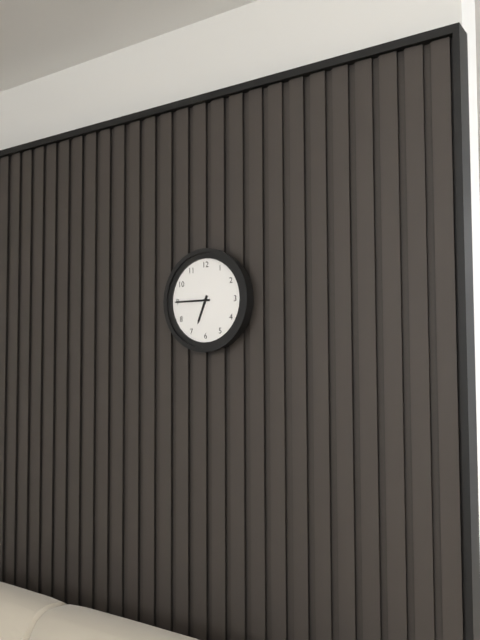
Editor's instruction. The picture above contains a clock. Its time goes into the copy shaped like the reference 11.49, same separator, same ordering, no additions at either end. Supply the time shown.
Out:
6.45
